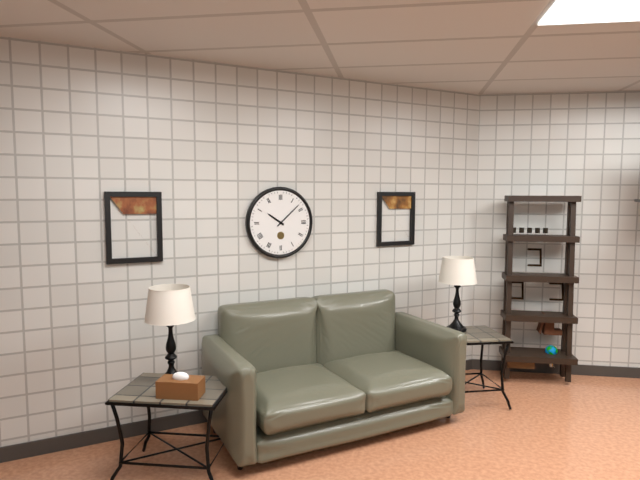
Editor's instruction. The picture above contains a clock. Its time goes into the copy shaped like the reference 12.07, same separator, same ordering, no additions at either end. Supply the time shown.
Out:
10.08
